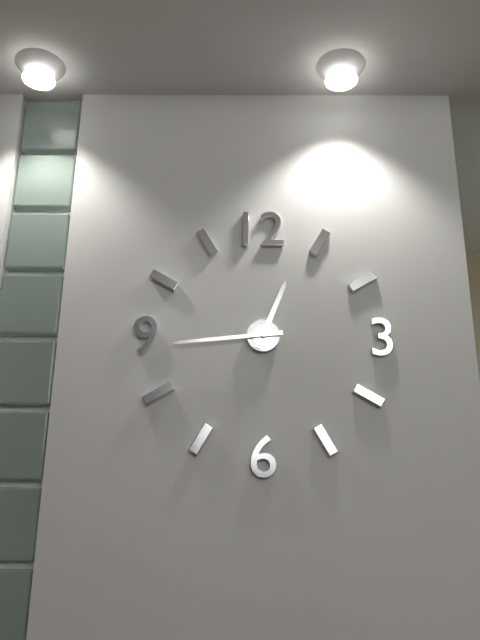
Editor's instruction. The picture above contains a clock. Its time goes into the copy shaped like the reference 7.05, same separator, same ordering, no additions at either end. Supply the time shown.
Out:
12.44
